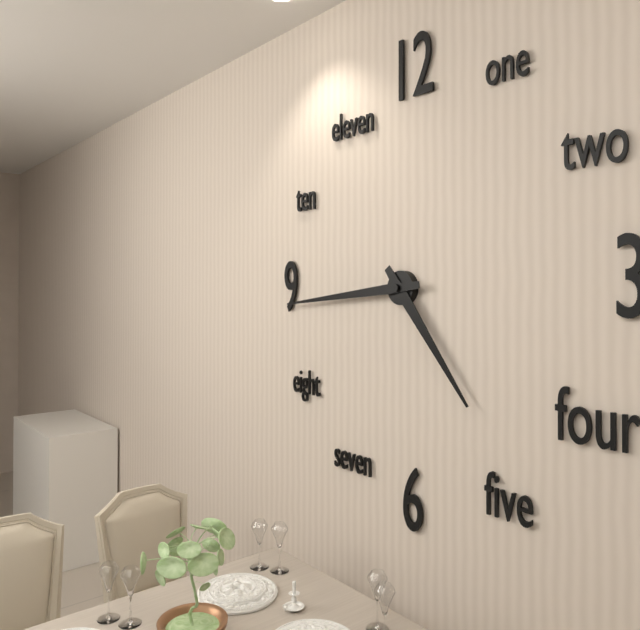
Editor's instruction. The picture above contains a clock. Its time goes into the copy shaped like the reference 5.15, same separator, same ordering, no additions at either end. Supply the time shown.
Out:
4.44
